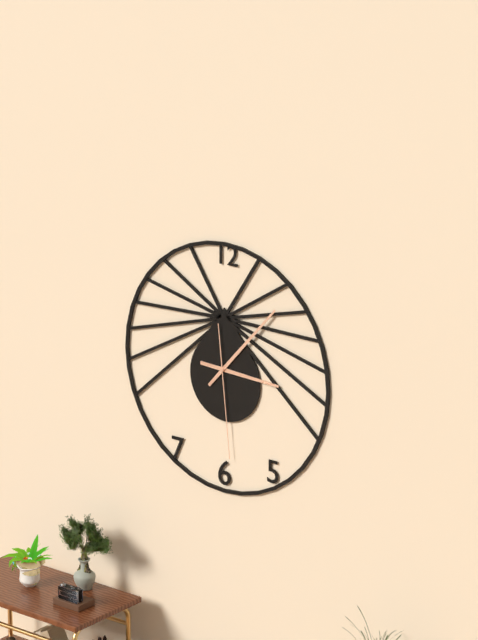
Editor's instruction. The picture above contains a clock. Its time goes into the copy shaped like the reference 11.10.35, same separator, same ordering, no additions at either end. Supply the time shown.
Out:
3.07.29
